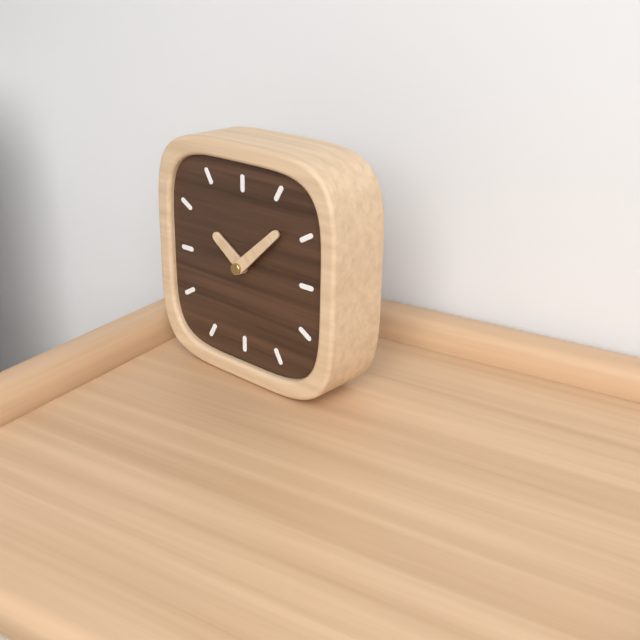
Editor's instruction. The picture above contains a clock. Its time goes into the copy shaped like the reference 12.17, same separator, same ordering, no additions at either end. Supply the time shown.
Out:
10.08
